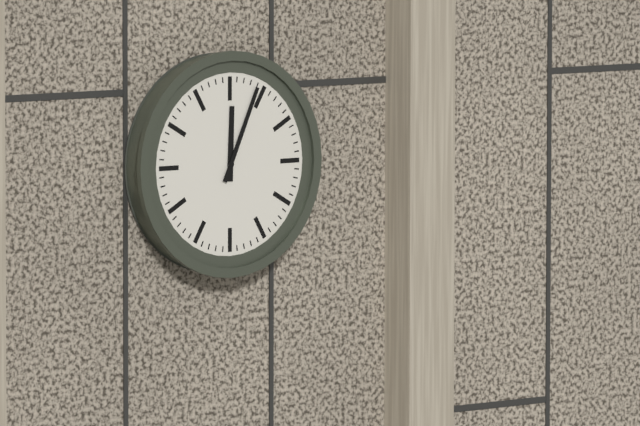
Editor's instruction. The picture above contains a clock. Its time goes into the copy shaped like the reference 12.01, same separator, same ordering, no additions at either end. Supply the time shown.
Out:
12.04
